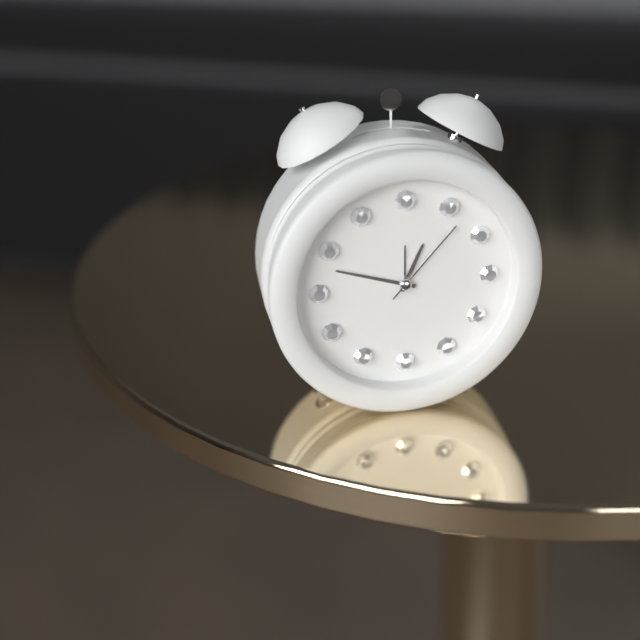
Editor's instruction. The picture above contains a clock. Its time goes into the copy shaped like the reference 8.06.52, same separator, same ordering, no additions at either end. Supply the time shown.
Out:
12.48.07
